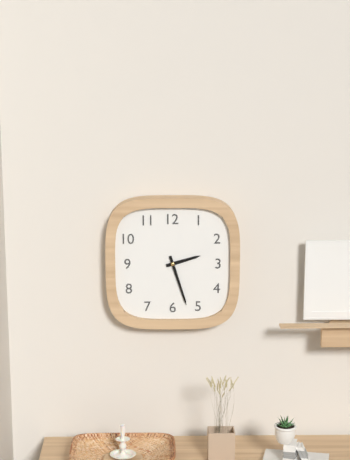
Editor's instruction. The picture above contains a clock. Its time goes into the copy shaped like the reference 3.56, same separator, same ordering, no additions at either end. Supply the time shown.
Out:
2.27
